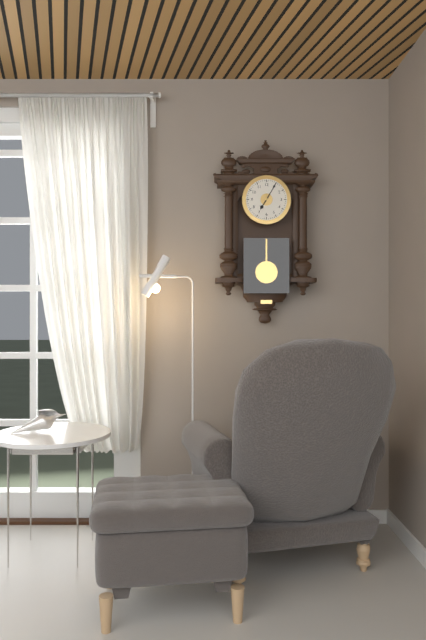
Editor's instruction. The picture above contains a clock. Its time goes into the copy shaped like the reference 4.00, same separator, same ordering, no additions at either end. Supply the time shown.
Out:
7.05
